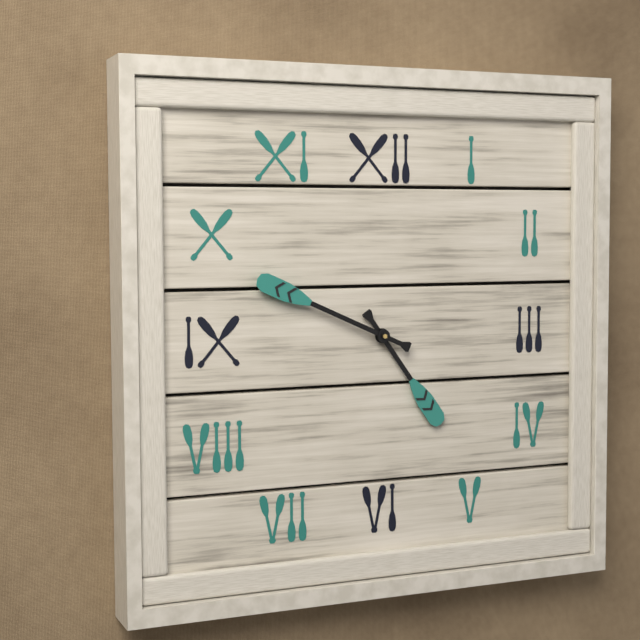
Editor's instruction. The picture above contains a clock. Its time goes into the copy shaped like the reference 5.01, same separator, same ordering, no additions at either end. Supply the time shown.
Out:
4.49
